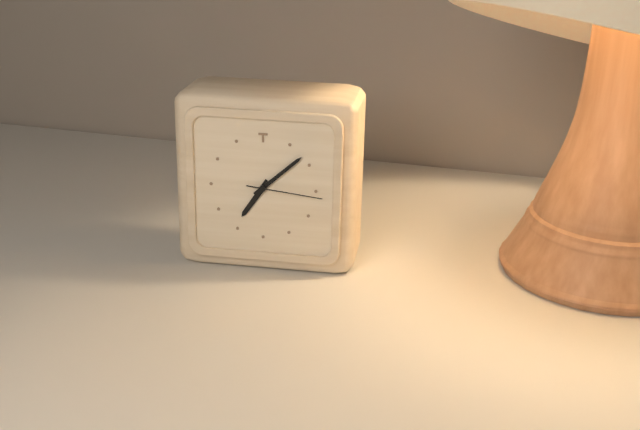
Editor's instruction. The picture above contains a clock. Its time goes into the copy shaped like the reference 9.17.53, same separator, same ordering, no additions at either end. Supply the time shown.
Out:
7.08.16
